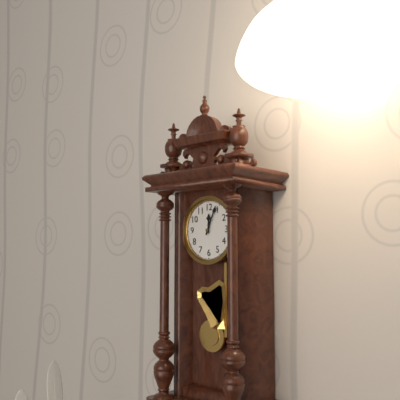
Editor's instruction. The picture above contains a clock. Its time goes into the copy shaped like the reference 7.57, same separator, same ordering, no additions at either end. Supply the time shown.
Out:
12.04
